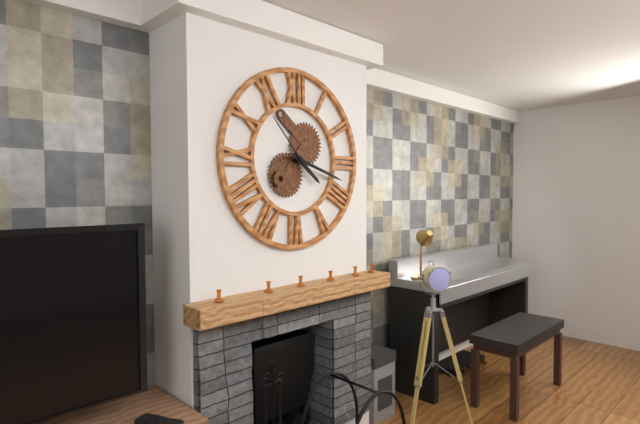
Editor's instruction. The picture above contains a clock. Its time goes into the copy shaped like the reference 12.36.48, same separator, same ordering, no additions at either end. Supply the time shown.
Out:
4.18.53
